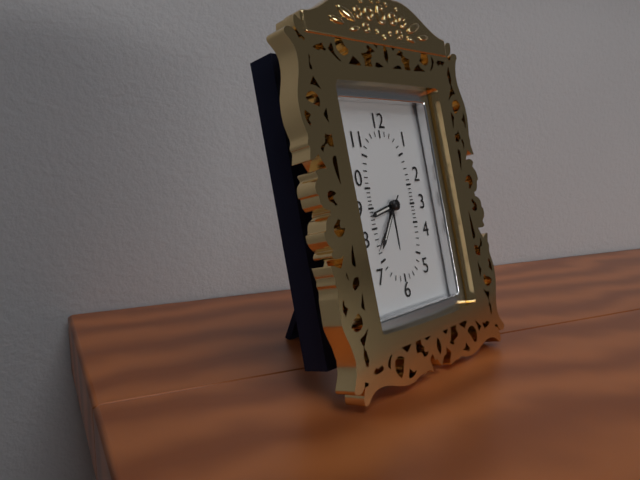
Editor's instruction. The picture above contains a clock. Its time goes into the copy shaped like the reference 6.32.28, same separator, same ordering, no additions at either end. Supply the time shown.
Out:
8.36.37
